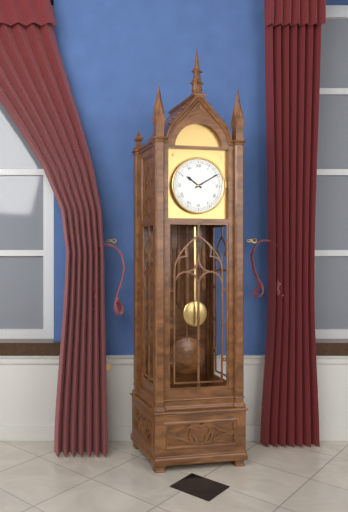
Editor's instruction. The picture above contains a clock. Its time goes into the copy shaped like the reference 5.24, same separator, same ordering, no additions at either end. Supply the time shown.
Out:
10.10
